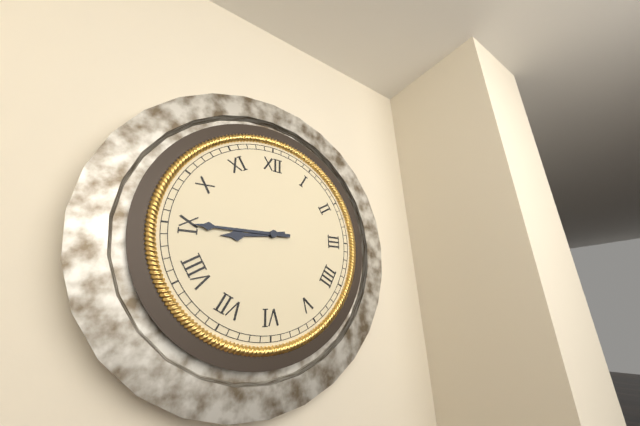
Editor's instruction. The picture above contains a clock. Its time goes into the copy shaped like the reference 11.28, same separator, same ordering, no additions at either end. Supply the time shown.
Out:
8.45
